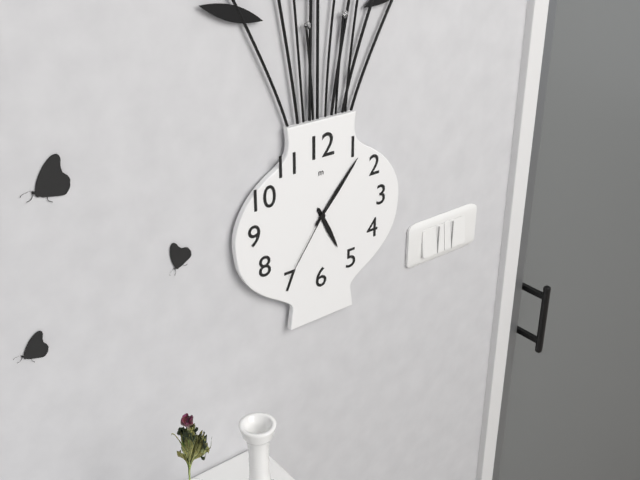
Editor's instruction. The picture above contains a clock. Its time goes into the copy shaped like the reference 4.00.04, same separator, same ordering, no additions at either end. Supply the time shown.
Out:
5.07.36
